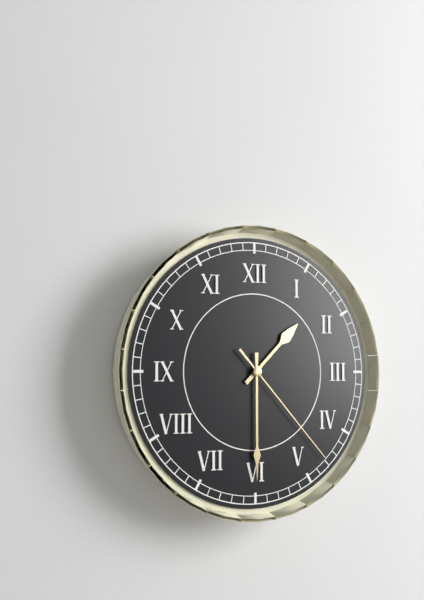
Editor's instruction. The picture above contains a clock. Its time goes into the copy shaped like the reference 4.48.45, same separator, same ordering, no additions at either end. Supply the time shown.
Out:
1.30.23
